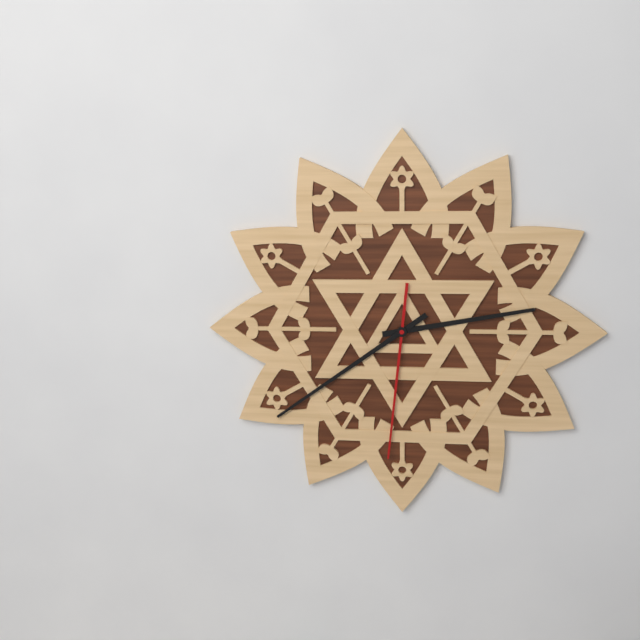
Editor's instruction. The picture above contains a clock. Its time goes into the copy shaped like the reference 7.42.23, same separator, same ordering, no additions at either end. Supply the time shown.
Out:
2.39.31
